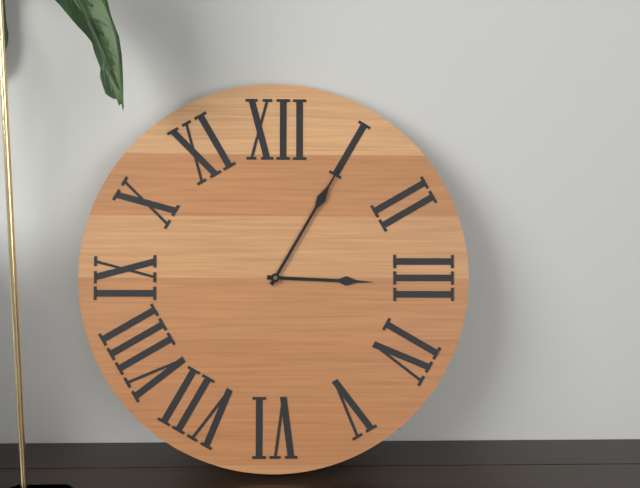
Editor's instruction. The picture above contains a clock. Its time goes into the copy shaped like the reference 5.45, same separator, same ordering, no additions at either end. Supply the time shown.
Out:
3.05
